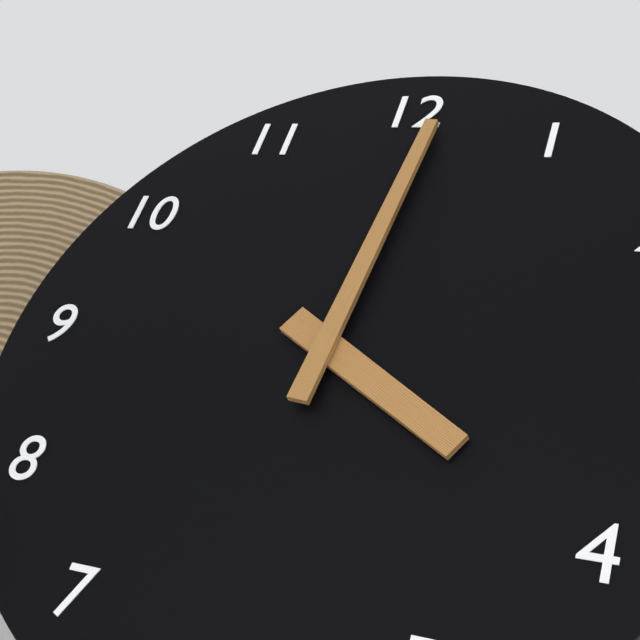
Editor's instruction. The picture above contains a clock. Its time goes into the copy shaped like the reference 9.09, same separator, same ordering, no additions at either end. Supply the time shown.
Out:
4.01
